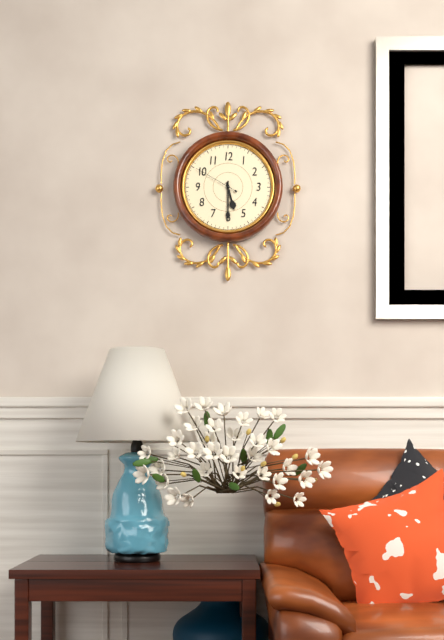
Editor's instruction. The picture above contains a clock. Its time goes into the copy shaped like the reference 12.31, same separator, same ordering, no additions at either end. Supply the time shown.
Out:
5.30
